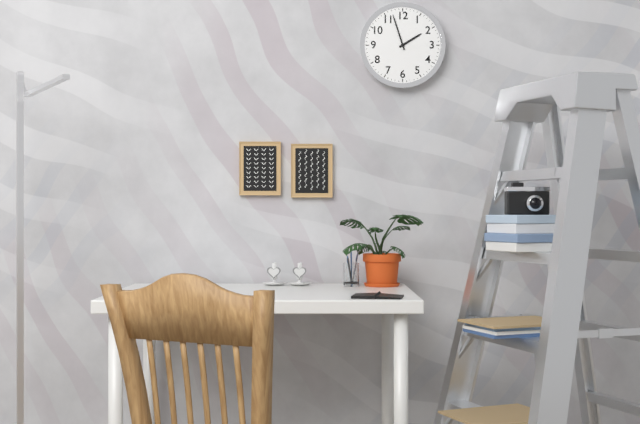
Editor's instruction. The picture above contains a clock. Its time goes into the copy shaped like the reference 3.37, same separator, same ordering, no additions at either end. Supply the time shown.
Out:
1.57
